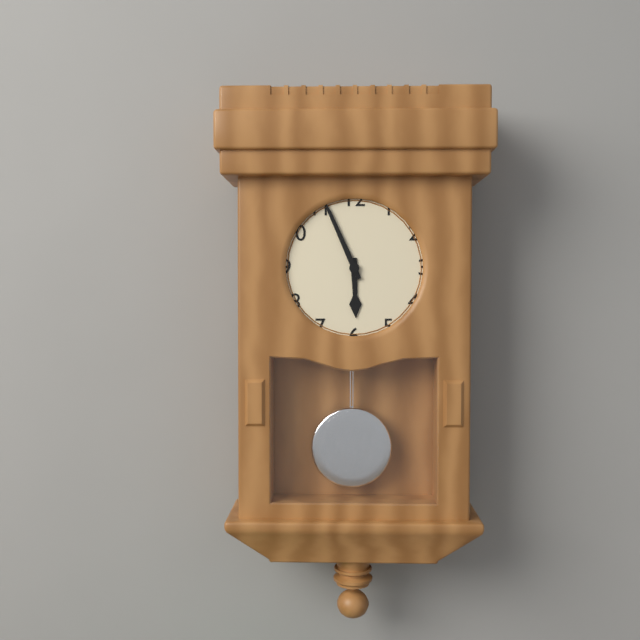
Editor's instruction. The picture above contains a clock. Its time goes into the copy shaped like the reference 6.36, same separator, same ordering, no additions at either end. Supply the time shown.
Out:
5.56
